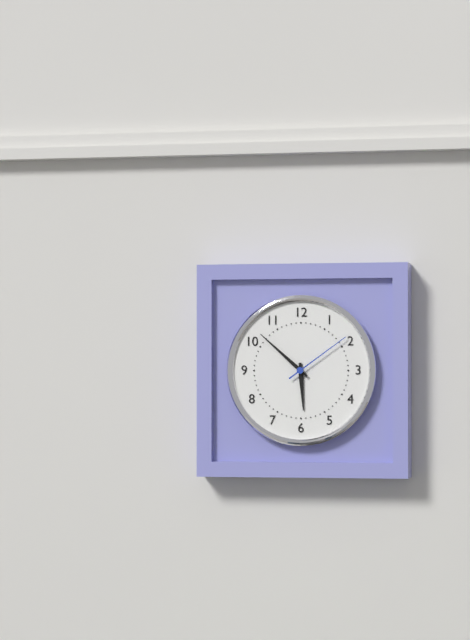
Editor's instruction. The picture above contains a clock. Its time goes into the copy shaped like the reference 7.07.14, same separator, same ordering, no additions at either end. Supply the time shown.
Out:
5.52.09
